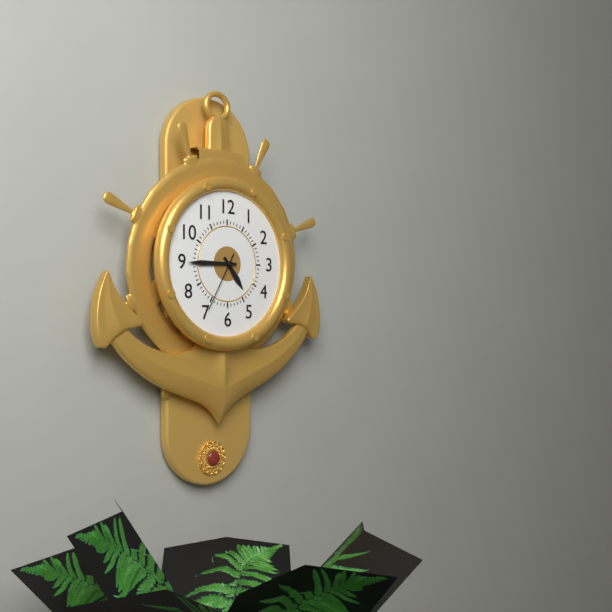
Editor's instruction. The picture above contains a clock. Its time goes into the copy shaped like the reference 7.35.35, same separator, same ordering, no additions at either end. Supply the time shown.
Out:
4.45.35
